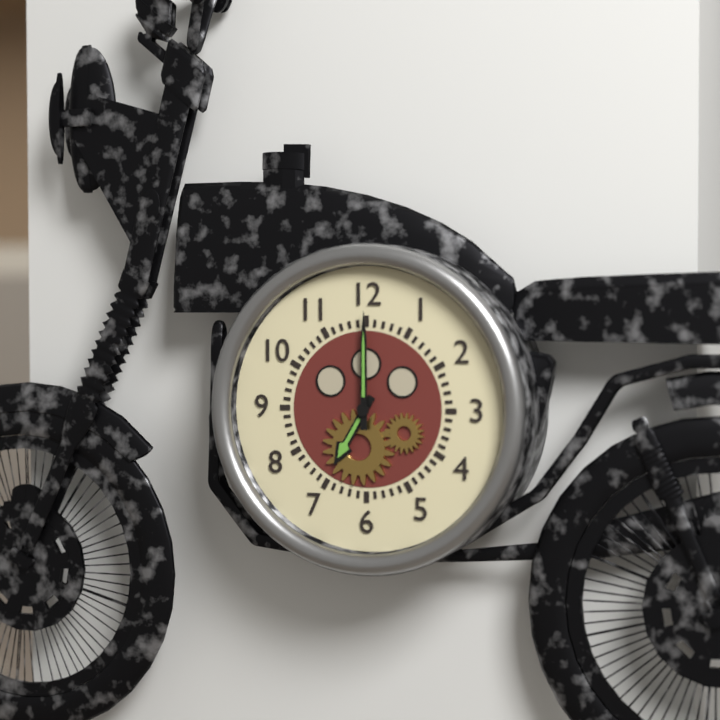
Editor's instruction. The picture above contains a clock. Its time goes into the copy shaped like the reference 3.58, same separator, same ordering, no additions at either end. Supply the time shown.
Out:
7.00
